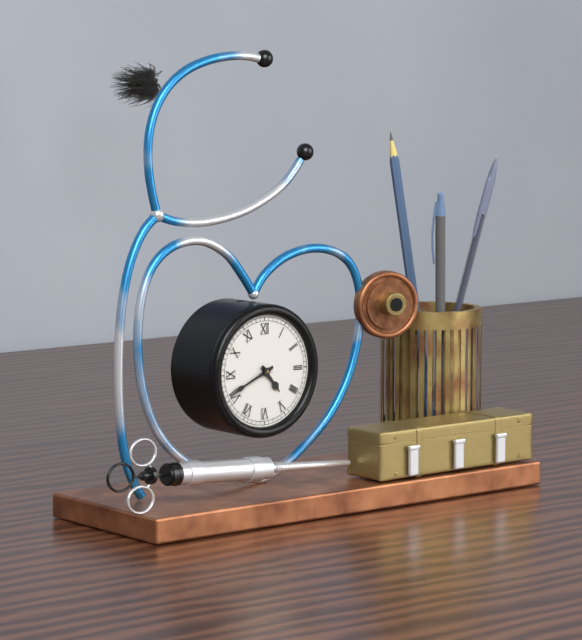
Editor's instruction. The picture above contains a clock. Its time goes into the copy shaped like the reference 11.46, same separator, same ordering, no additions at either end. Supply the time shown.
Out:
4.41
